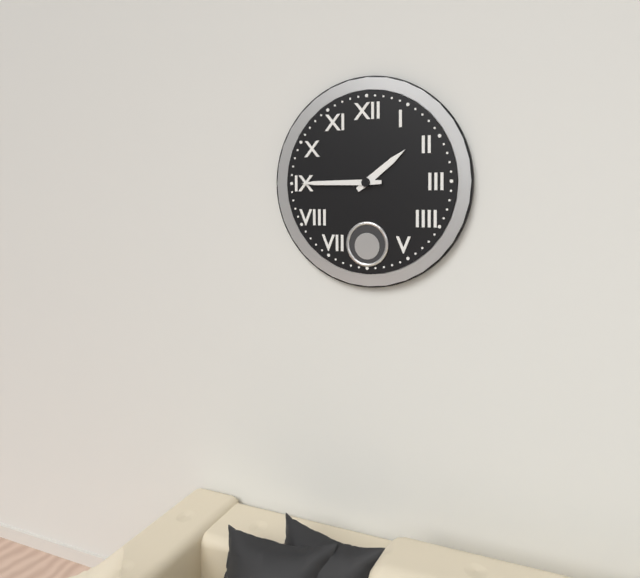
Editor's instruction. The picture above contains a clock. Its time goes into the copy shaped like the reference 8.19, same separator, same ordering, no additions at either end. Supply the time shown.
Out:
1.45
